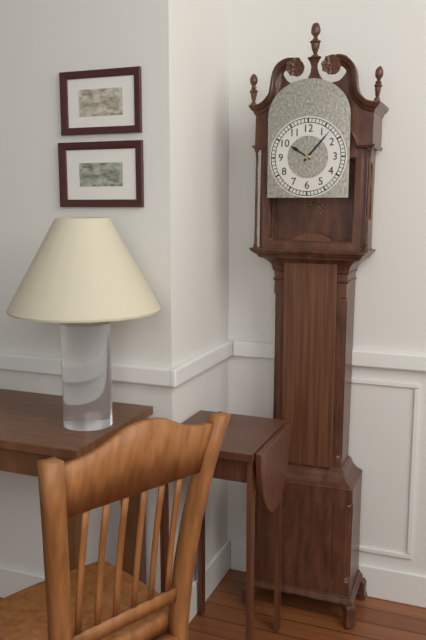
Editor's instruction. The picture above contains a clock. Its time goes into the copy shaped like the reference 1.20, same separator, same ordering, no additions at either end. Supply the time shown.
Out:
10.07
